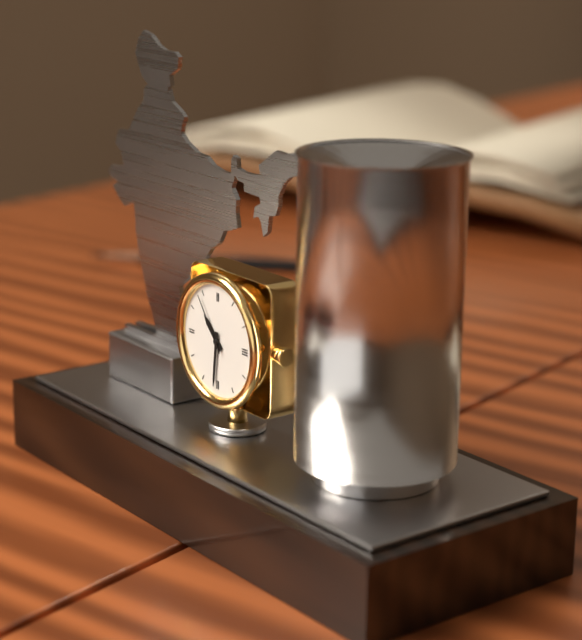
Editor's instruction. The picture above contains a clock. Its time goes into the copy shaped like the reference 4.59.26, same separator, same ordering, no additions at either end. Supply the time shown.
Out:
10.31.54
